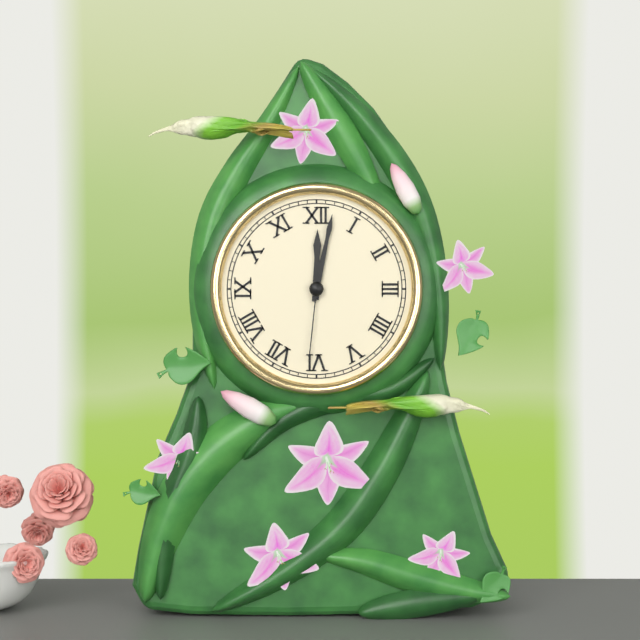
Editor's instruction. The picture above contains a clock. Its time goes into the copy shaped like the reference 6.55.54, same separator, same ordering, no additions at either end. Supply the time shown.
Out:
12.02.31
